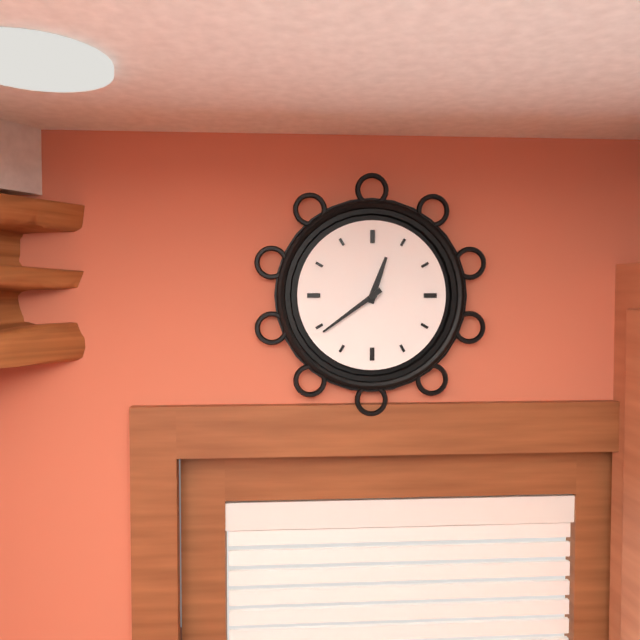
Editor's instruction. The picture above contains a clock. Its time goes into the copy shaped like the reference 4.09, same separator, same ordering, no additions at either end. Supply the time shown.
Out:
12.39
